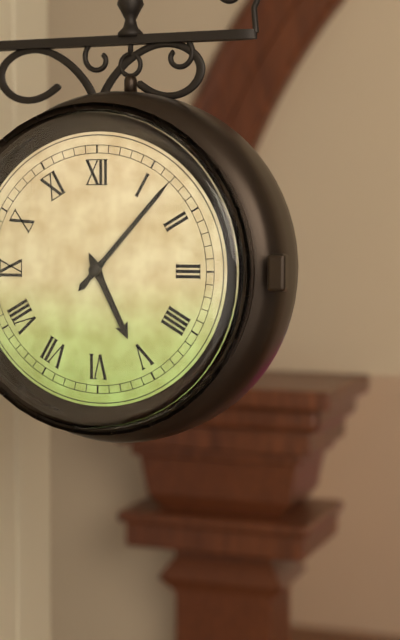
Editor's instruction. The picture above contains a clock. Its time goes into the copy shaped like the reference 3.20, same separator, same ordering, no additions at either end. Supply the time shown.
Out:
5.07
